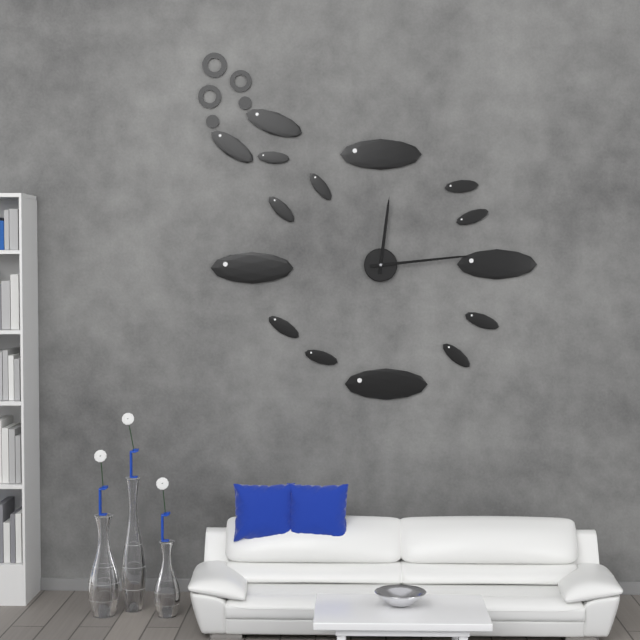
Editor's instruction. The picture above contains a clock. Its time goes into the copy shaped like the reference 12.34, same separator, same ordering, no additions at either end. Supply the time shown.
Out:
12.14
